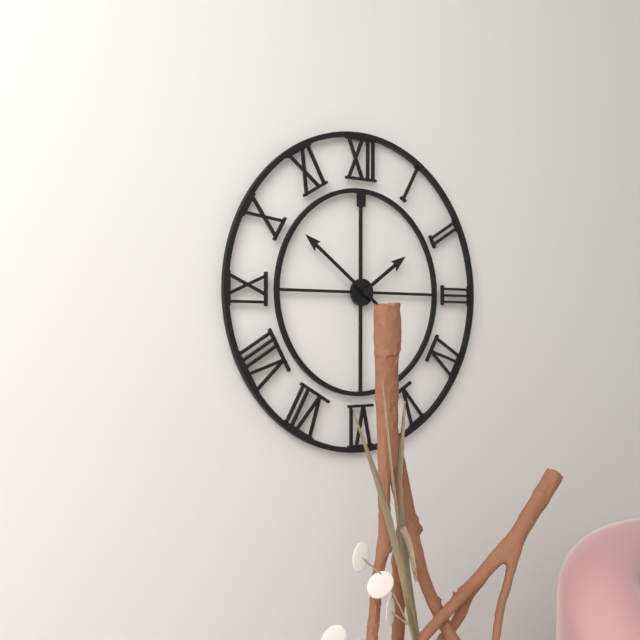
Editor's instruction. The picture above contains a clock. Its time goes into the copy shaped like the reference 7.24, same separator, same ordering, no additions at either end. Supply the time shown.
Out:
1.51
